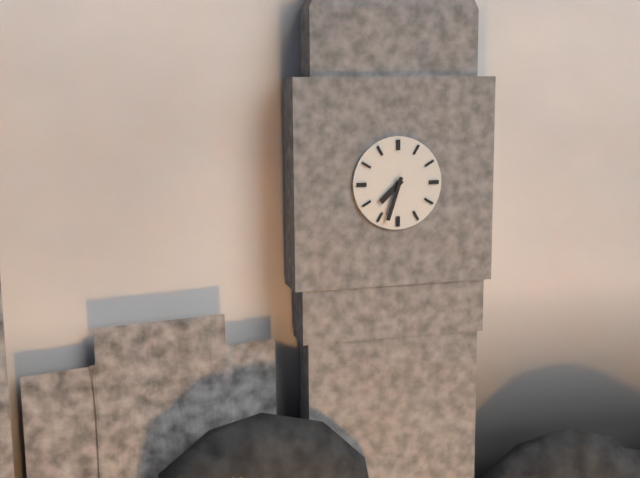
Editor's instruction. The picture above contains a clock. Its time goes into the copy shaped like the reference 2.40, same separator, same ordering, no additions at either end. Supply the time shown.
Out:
7.33
